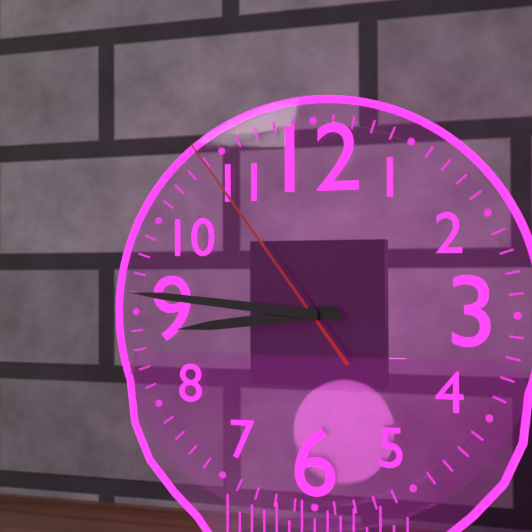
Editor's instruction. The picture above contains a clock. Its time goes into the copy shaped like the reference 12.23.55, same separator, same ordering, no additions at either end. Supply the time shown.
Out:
8.46.54
